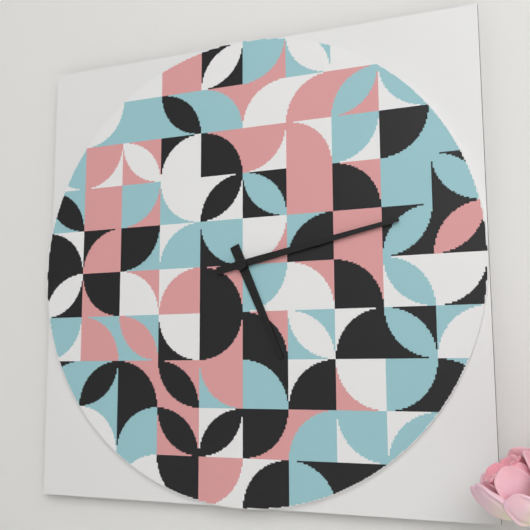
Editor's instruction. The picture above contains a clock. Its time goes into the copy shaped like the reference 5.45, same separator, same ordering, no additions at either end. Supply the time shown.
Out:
5.13
